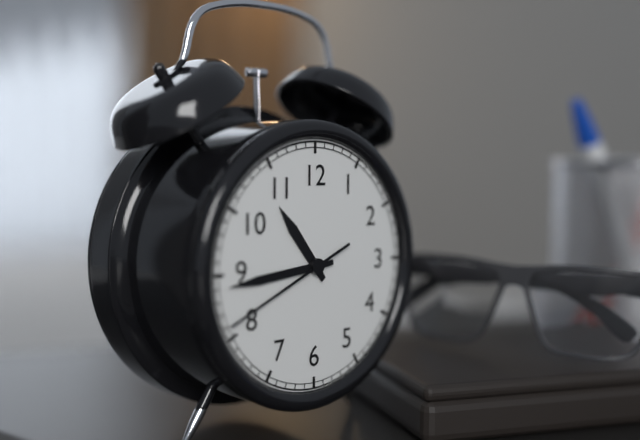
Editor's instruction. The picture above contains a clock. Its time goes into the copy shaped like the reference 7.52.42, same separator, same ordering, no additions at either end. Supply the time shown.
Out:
10.44.41
